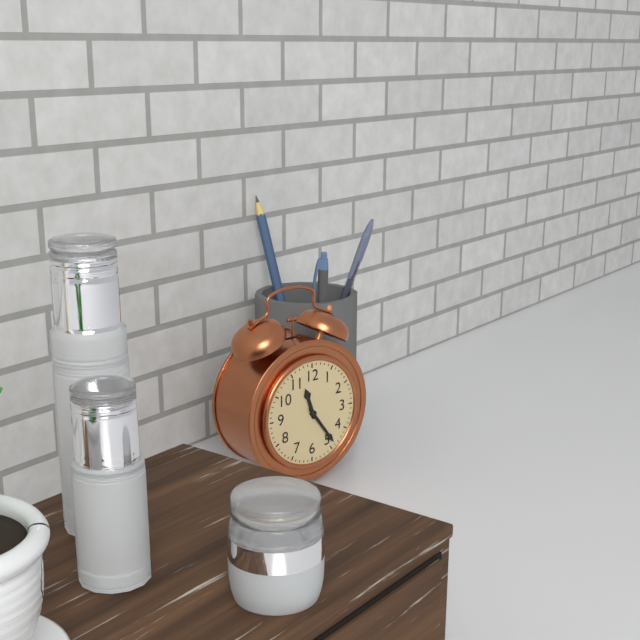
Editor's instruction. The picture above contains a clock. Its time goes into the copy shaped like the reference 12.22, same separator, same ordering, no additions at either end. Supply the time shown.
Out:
11.24
